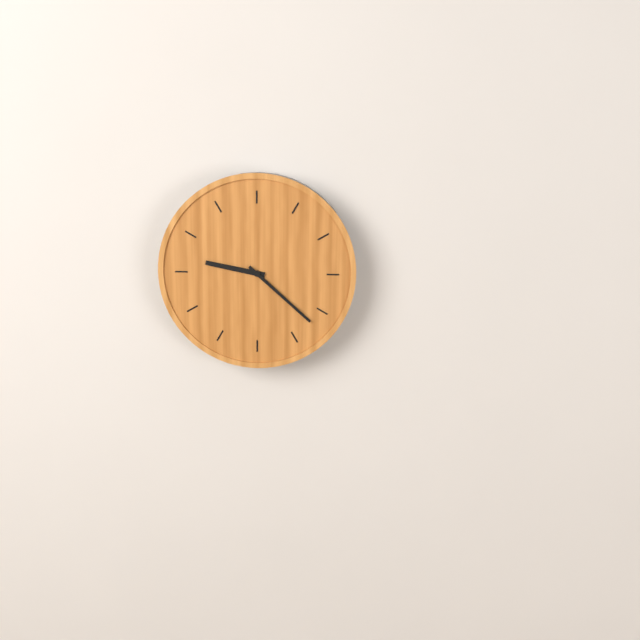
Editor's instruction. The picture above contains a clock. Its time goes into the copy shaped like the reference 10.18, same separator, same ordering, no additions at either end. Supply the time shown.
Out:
9.22
